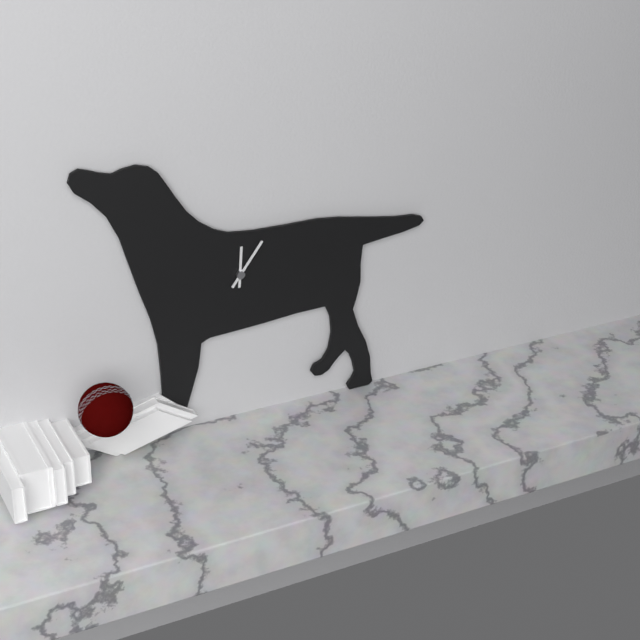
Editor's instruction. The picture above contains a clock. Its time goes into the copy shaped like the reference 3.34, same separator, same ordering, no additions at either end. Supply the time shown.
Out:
12.06
